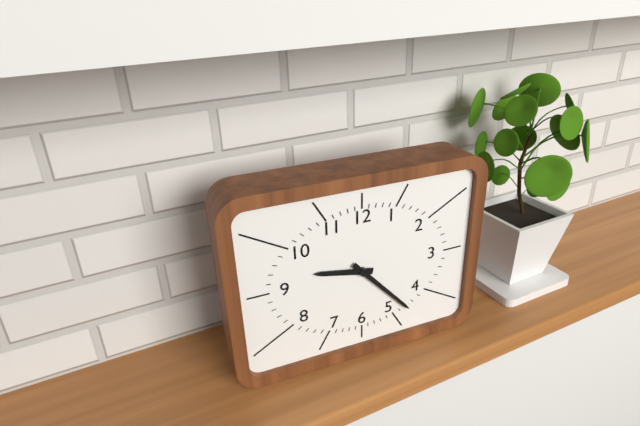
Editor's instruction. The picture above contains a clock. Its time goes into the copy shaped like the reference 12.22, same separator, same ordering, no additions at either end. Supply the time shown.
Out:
9.23
